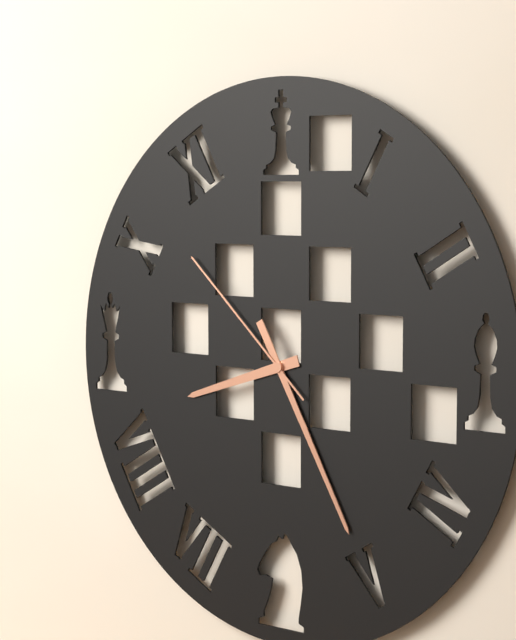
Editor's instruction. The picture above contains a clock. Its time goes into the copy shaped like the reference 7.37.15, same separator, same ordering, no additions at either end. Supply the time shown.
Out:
8.25.52
